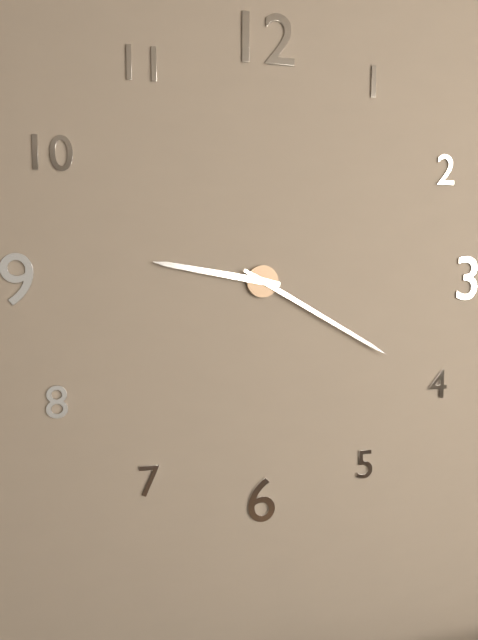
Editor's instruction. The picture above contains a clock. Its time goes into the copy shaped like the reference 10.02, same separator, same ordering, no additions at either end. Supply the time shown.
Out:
9.20
